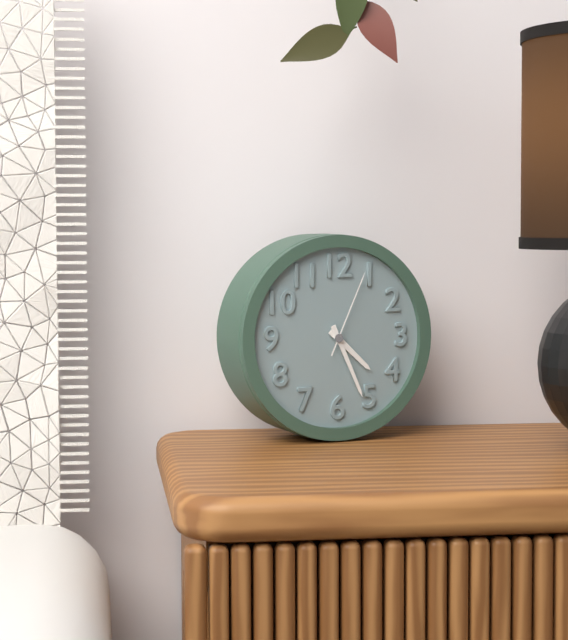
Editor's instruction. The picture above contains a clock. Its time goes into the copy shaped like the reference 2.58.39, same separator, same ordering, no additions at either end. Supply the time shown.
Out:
4.26.04
